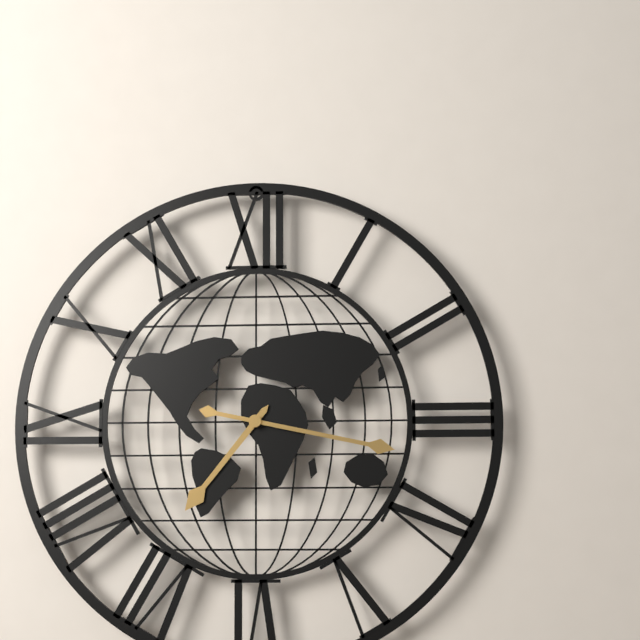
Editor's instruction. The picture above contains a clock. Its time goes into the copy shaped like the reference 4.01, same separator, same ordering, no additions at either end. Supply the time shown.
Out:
7.17
